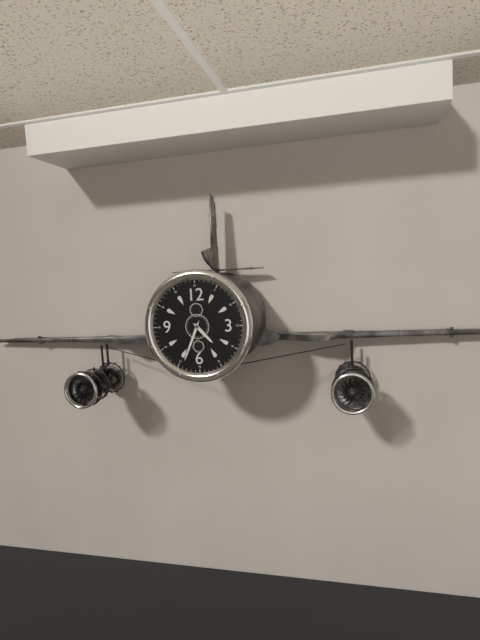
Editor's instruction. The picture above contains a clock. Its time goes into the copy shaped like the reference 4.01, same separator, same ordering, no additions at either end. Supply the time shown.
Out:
4.34
